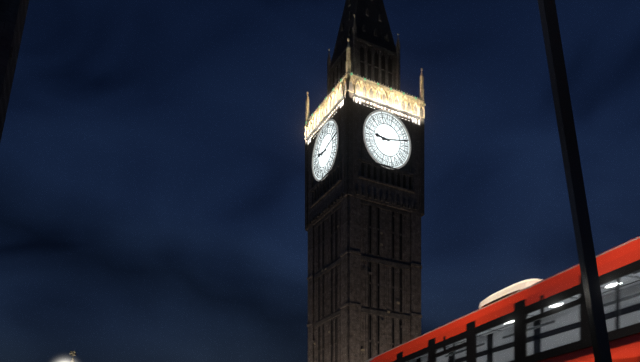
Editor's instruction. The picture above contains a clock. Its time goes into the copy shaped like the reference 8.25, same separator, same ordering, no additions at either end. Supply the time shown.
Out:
9.13
